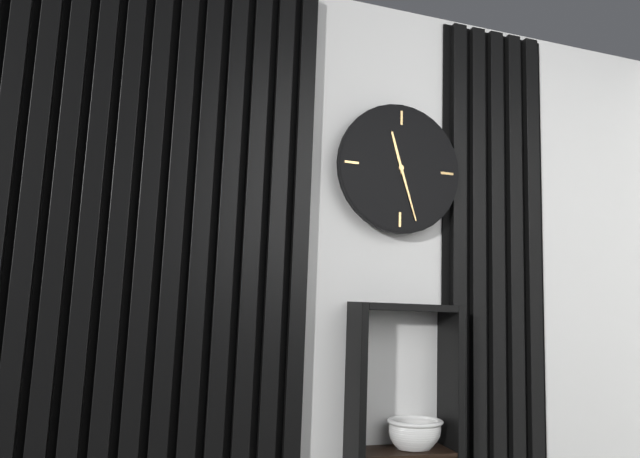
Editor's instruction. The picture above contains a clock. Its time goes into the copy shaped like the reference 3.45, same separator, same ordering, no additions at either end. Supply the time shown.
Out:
11.27
